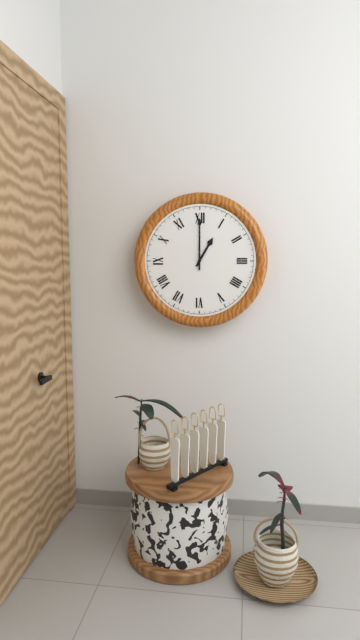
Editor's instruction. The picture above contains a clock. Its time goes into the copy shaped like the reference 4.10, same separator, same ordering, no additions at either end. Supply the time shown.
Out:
1.00
